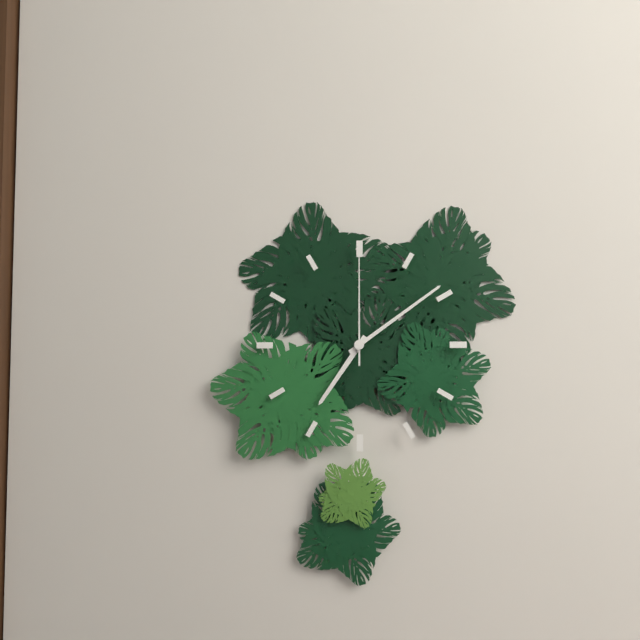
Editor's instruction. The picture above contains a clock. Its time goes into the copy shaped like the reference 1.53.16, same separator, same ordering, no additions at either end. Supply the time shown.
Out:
7.09.00
